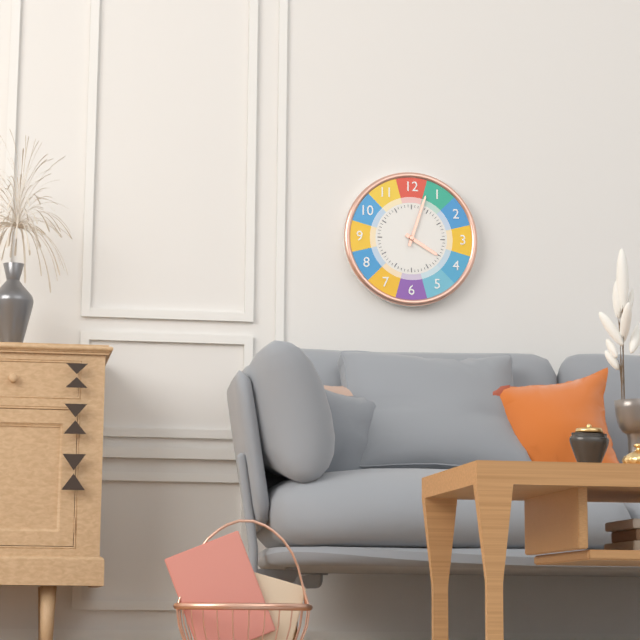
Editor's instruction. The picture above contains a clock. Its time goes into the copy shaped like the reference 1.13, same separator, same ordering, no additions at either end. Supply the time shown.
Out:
4.03
